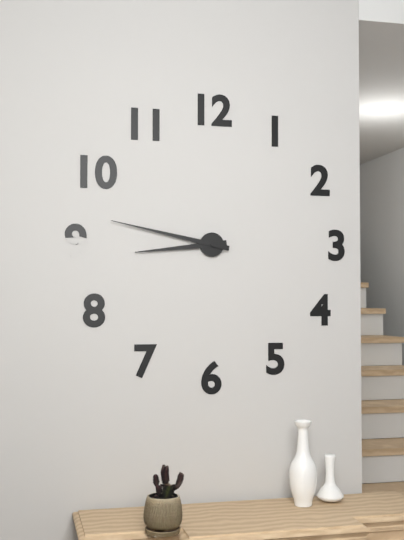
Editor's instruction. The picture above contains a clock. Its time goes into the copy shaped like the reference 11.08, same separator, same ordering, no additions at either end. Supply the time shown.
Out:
8.47
